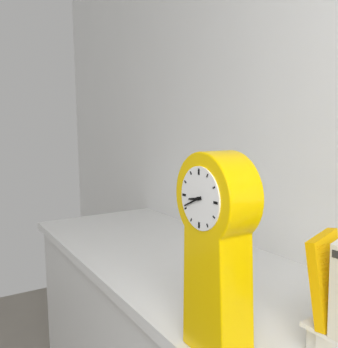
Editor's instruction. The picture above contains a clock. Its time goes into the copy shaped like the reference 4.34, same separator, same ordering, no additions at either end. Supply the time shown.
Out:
8.41
